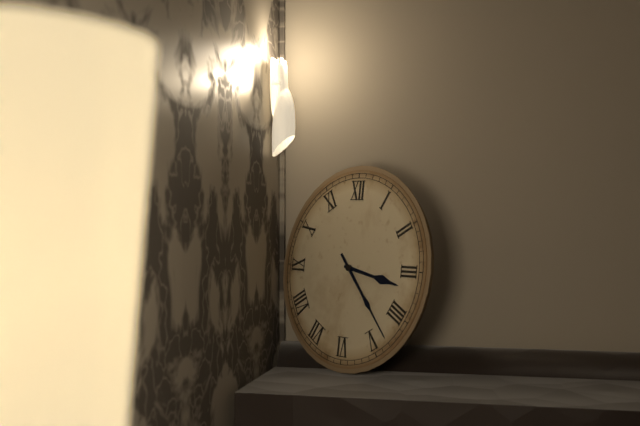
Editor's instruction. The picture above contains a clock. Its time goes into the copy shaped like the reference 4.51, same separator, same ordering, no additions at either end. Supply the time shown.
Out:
3.23
